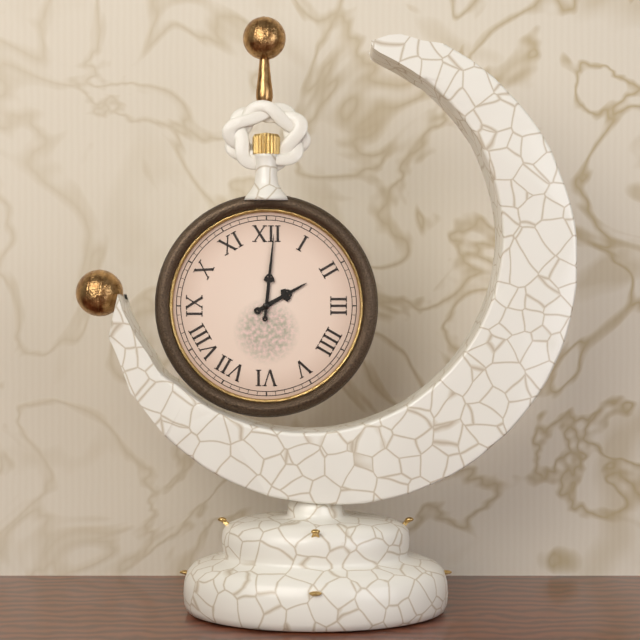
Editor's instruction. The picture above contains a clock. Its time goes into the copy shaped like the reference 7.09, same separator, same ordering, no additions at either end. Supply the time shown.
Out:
2.01
